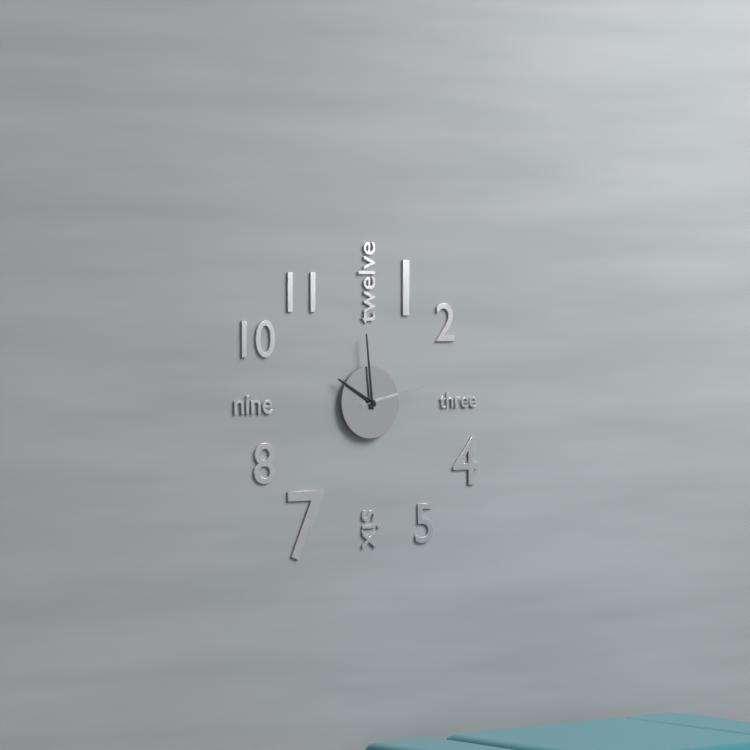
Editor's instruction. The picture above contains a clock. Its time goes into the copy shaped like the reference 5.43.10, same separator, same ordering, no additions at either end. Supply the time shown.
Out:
9.59.13
